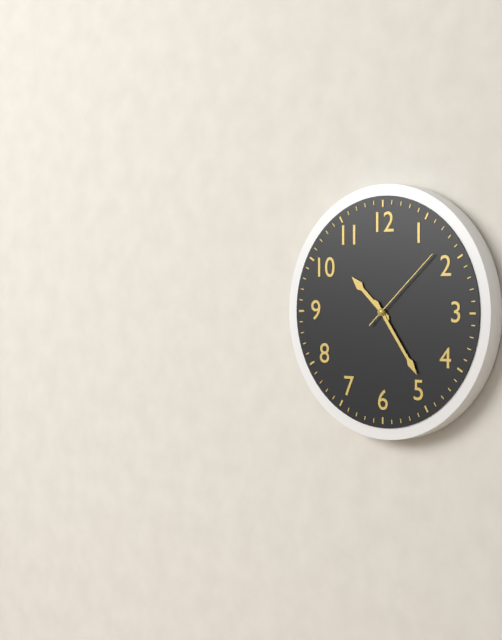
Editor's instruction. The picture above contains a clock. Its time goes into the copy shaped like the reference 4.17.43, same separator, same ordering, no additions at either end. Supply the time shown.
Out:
10.24.08
